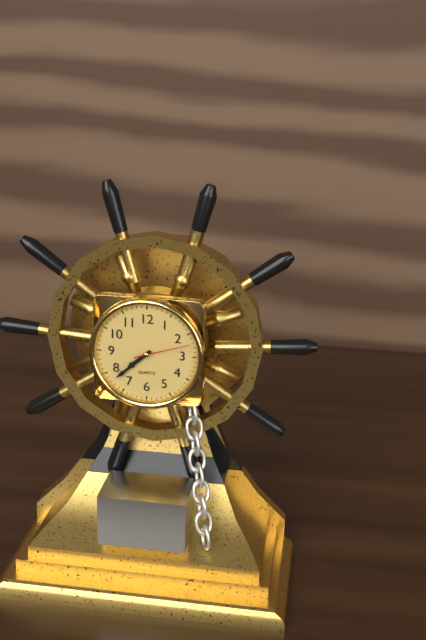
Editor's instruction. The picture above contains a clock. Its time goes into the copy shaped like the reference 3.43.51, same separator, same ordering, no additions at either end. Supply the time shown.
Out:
7.38.12
